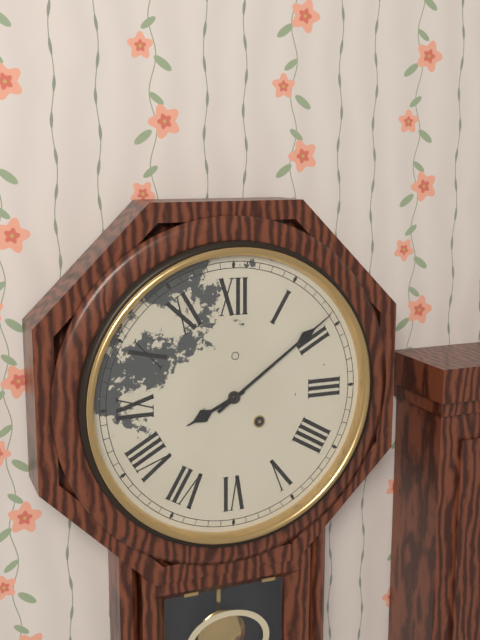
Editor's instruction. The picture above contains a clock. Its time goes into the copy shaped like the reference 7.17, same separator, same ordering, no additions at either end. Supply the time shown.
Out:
8.09
